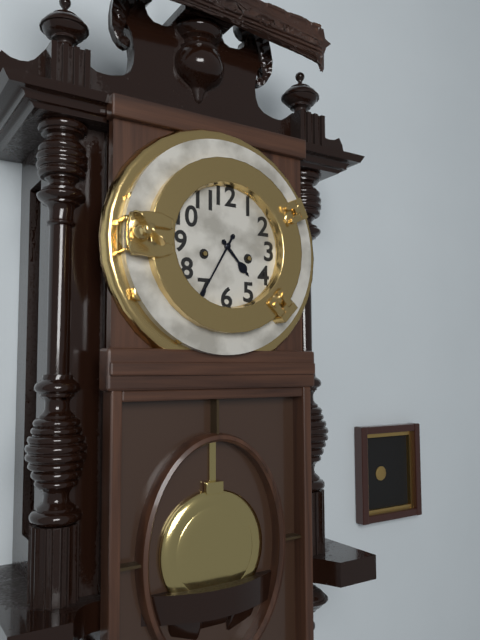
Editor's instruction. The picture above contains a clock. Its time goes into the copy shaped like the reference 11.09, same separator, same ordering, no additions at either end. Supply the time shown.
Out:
4.35
